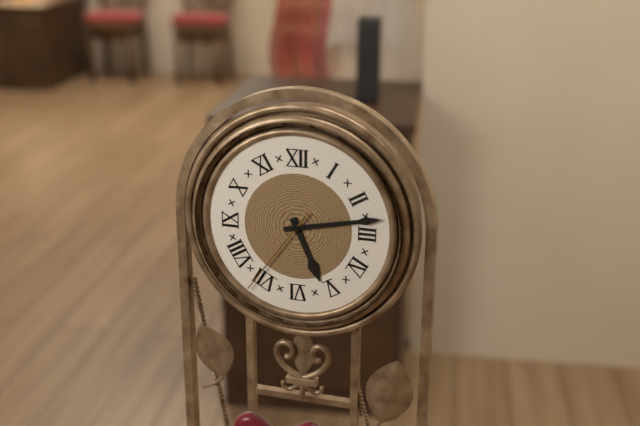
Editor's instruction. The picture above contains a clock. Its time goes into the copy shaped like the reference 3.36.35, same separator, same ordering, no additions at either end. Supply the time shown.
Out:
5.13.36
